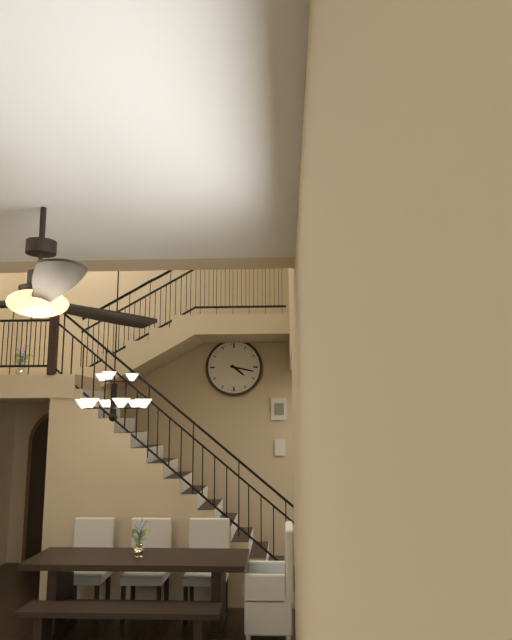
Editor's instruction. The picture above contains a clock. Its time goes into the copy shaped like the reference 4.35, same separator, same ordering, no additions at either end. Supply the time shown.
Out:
4.17
